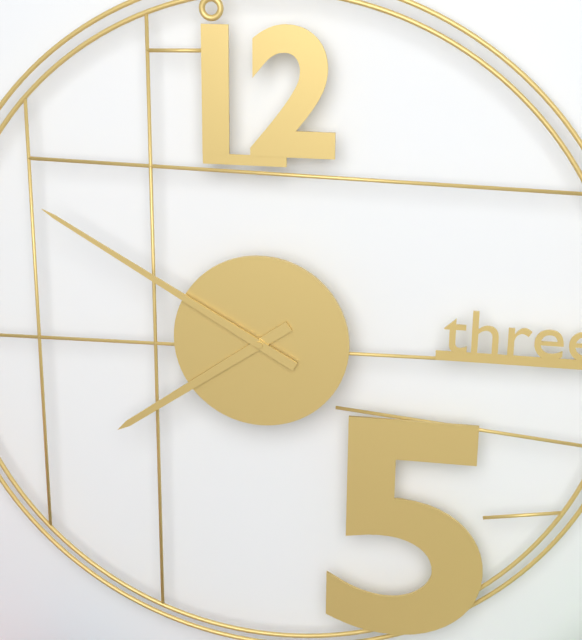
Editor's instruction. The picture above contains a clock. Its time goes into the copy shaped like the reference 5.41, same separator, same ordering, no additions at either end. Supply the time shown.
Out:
7.50
